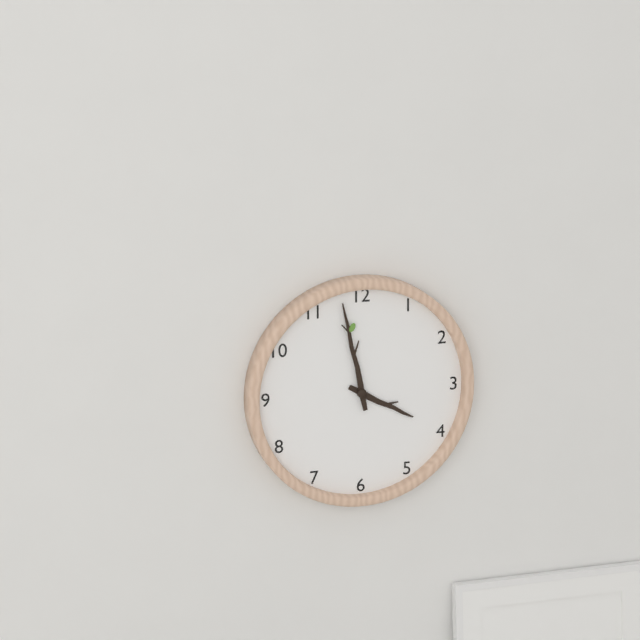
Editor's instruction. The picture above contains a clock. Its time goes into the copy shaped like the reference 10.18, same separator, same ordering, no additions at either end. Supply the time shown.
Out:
3.58
